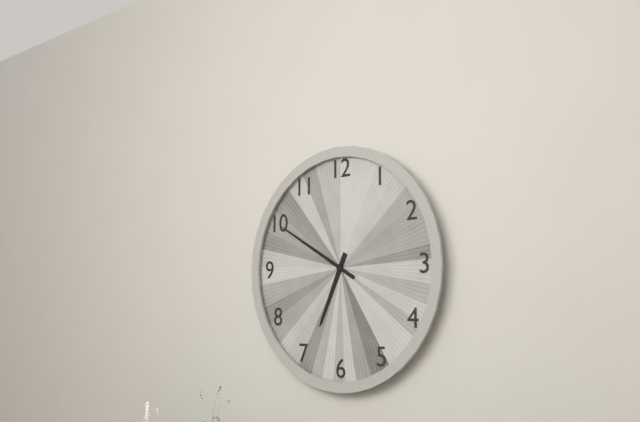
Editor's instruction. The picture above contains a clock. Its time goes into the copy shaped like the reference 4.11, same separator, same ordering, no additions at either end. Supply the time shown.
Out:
6.50
